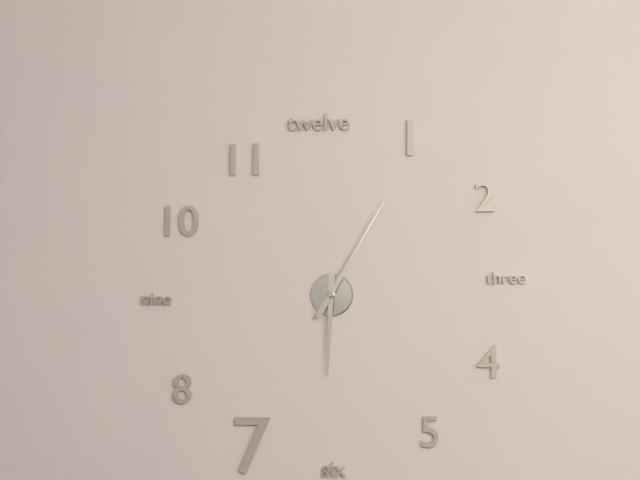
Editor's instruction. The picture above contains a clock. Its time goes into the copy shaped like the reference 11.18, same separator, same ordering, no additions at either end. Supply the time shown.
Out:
6.05
